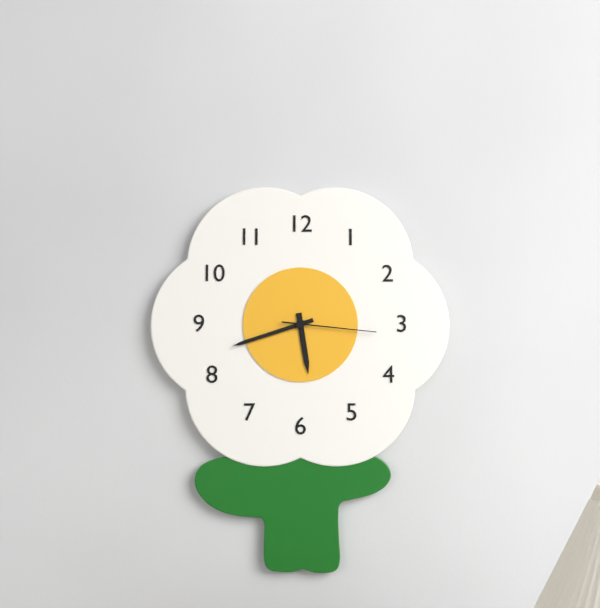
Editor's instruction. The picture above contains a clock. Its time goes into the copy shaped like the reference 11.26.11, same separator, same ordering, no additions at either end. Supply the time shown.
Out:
5.42.16
